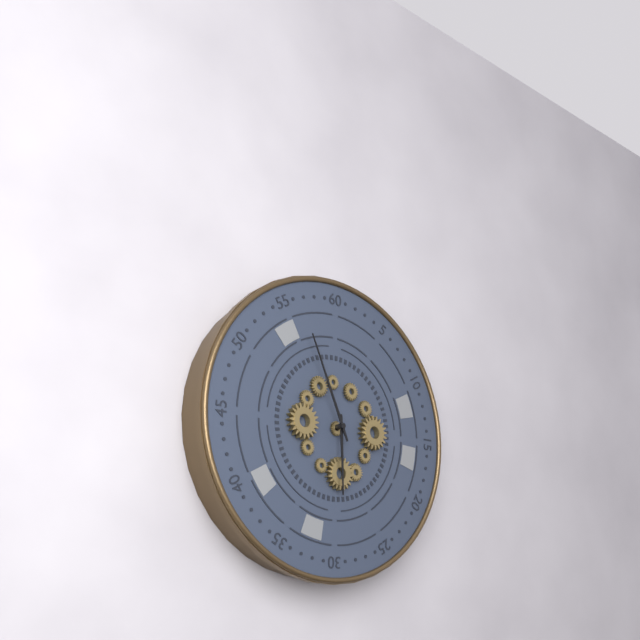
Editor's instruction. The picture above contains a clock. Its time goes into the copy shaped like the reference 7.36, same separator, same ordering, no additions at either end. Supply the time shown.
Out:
5.56
